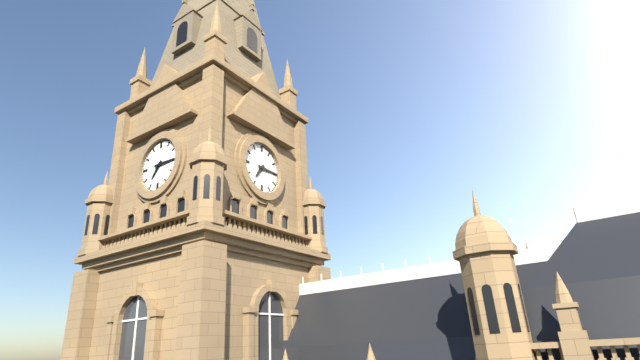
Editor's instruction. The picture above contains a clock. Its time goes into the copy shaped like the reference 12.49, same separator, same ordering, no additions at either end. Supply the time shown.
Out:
7.15
